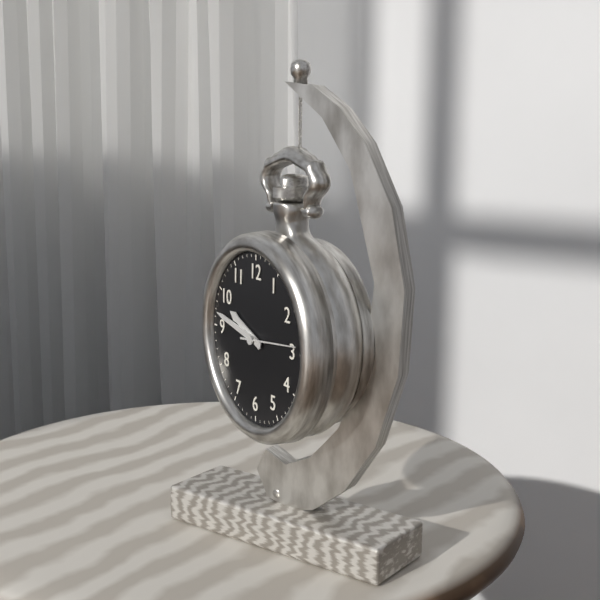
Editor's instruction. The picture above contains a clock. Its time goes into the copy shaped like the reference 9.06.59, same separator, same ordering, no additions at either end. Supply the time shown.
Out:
9.47.14
